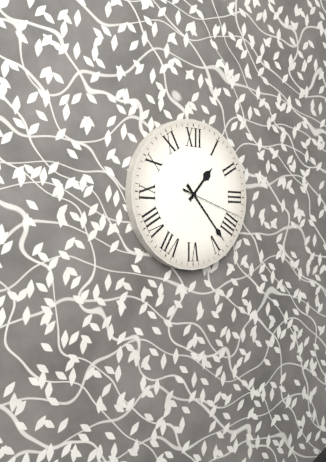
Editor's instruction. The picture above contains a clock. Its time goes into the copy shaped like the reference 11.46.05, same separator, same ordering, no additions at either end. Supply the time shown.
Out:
1.23.18
